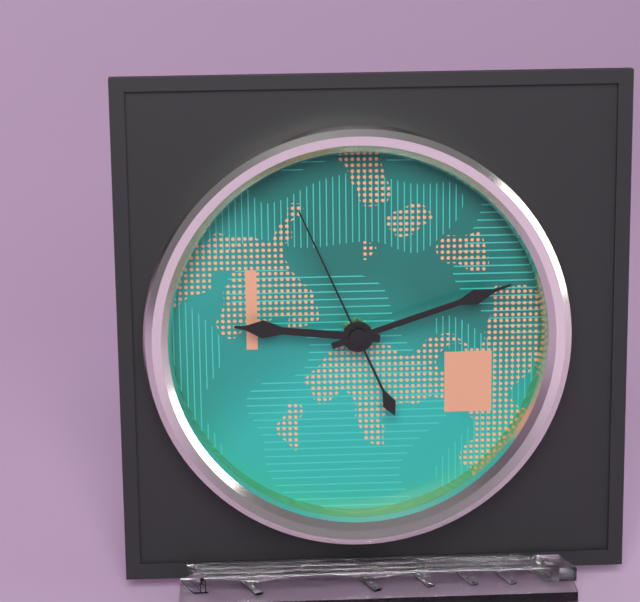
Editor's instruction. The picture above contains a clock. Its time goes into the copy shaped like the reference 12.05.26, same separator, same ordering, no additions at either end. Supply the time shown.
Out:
9.12.56
